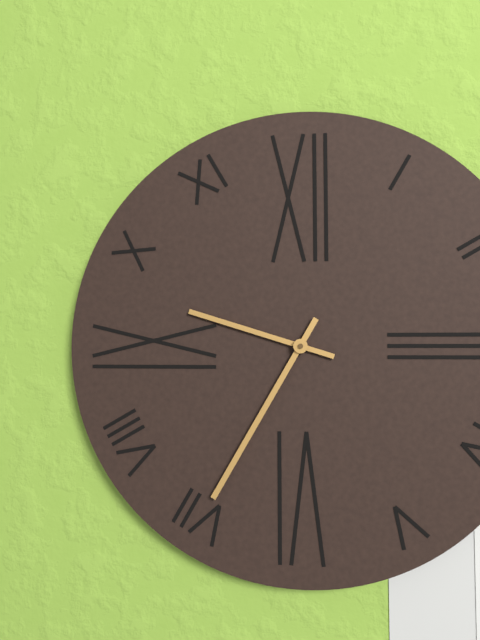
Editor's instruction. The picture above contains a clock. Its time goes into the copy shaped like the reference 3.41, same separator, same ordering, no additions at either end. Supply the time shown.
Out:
9.35
